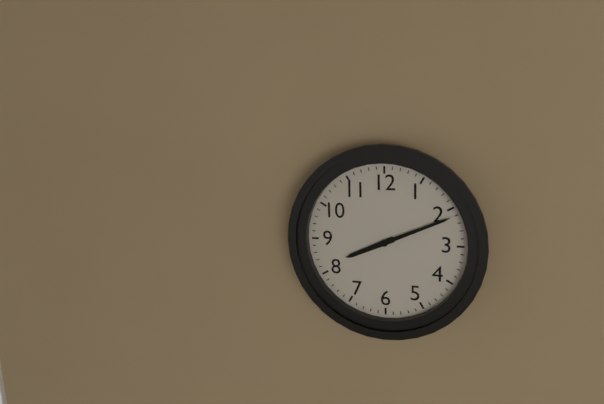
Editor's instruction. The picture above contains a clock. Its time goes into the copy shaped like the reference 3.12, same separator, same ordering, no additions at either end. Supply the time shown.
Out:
8.11
